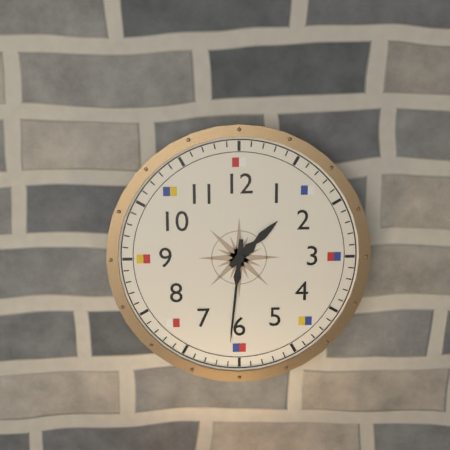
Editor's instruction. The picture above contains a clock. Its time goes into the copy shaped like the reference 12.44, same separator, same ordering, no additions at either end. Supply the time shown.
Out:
1.31
